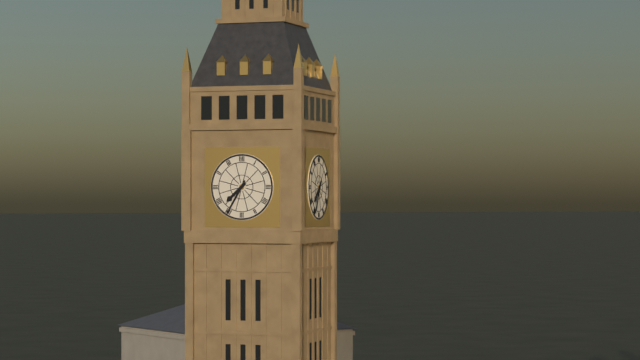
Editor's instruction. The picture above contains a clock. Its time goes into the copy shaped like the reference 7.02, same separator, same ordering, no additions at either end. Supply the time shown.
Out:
7.35
